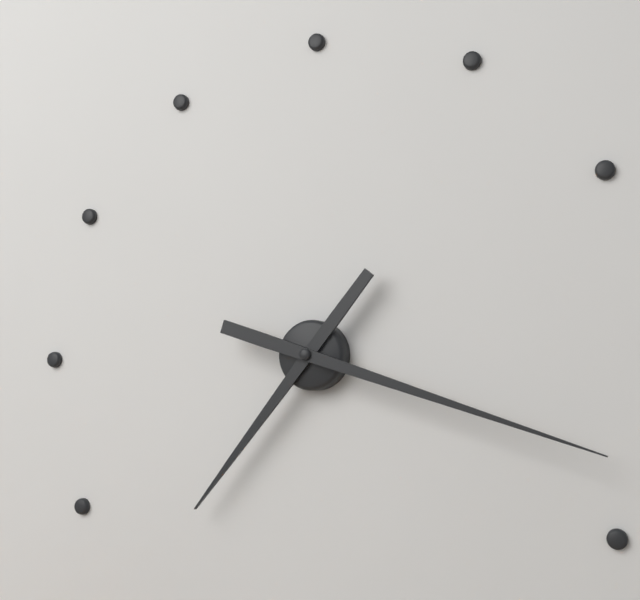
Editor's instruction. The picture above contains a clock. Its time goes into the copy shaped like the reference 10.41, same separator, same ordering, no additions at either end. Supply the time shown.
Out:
7.18
